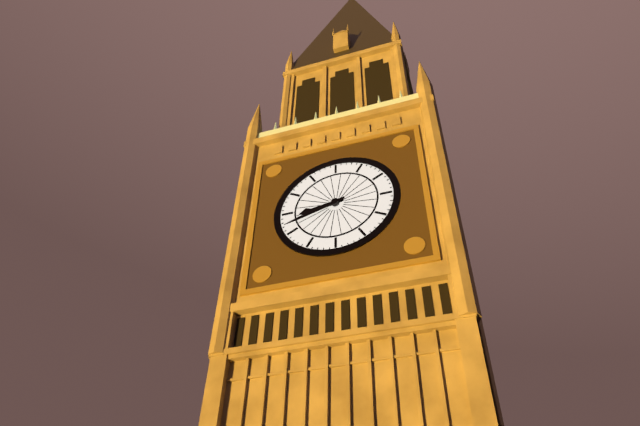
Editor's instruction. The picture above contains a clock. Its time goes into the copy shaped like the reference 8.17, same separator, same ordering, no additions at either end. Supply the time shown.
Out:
8.42
